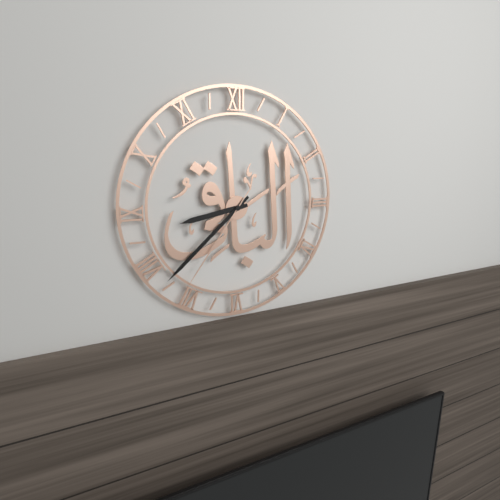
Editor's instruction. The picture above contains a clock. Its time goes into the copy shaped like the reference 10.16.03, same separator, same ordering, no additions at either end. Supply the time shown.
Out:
8.38.36
